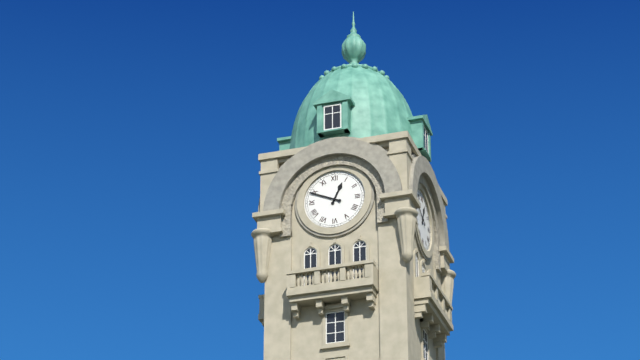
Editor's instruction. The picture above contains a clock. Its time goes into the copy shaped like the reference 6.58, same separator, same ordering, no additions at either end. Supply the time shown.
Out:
12.49
